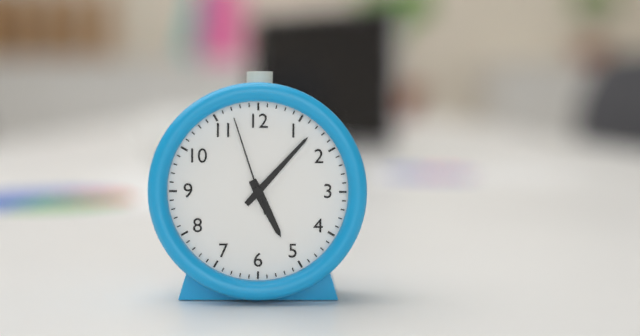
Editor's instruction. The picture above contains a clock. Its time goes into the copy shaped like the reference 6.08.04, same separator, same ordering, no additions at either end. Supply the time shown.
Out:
5.07.57
